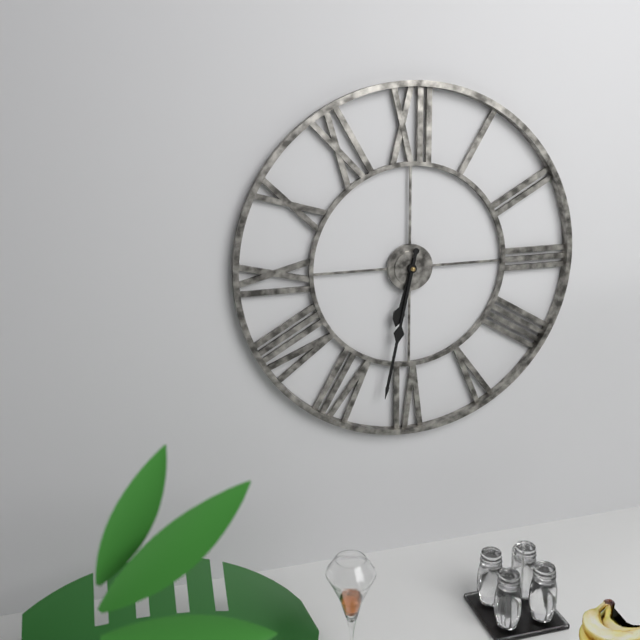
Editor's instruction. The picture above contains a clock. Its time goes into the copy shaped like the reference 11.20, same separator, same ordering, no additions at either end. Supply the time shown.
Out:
6.32
